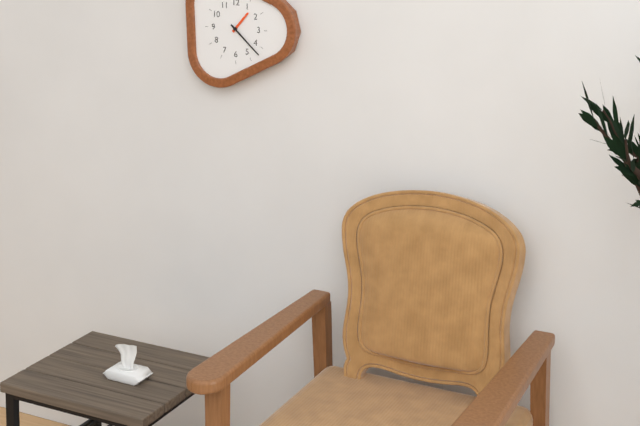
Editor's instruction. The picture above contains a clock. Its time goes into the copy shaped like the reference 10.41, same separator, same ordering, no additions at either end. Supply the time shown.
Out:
1.22
